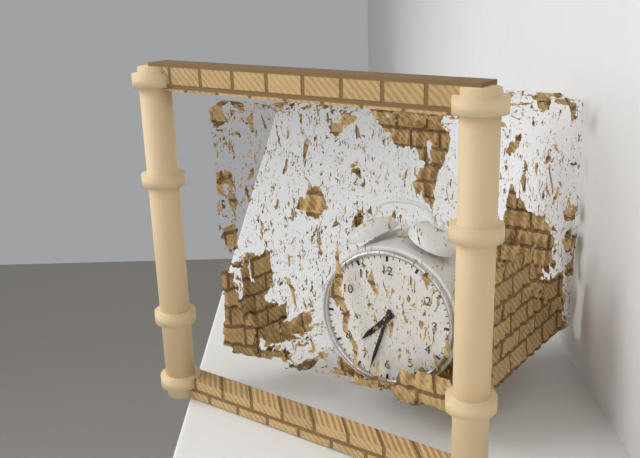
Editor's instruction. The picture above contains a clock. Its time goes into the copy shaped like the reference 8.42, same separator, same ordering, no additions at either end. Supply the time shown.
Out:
7.33
